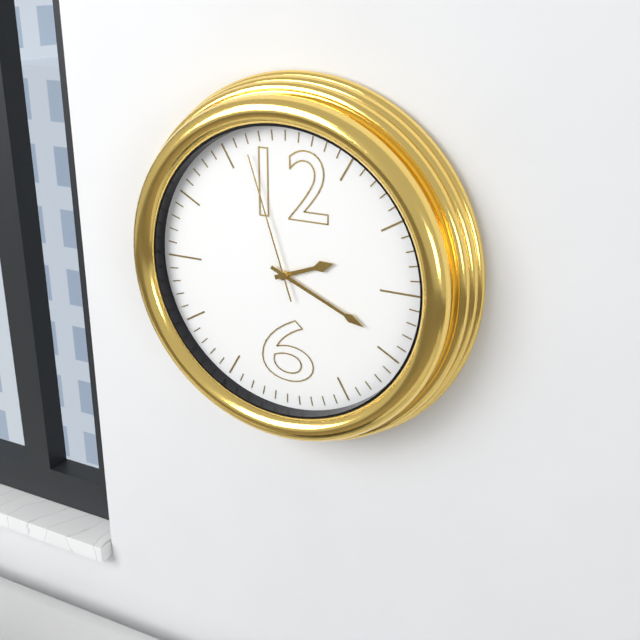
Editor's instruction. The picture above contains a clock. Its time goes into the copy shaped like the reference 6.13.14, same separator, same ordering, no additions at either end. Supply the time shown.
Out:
2.19.57
